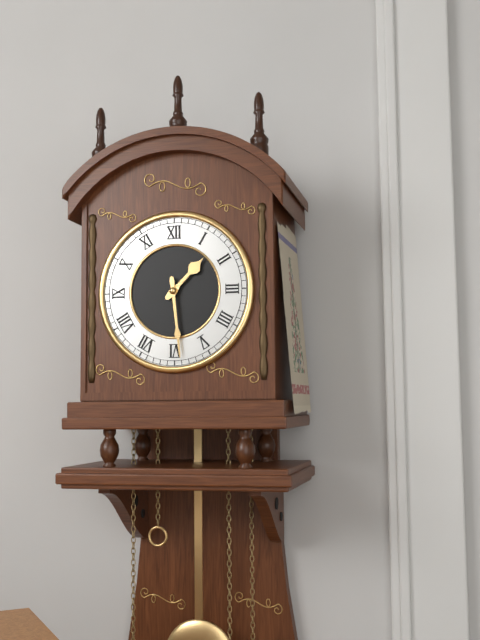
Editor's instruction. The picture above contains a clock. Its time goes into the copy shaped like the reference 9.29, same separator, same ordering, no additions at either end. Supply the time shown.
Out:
1.29
